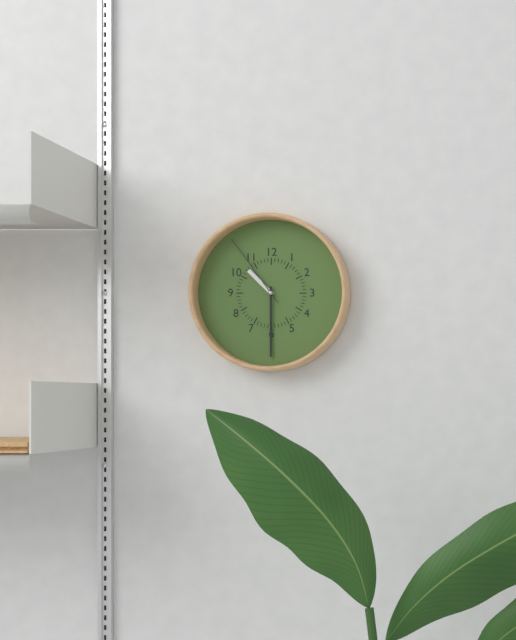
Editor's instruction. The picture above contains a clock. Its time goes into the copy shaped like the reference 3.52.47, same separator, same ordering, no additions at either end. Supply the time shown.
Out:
10.30.54
